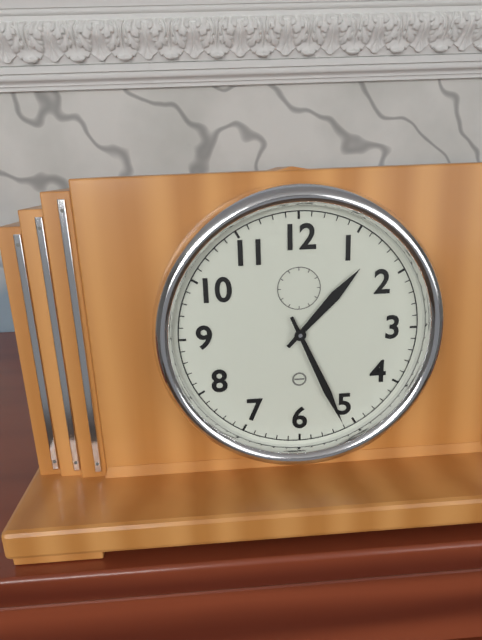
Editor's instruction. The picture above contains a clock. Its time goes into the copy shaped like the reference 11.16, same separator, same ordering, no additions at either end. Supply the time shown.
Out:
1.26
